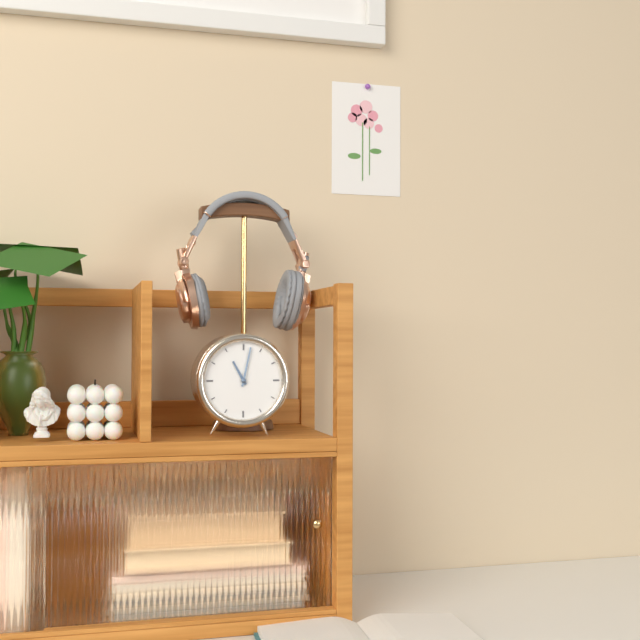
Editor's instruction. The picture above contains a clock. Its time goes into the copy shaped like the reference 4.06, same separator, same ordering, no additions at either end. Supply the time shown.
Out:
11.02
